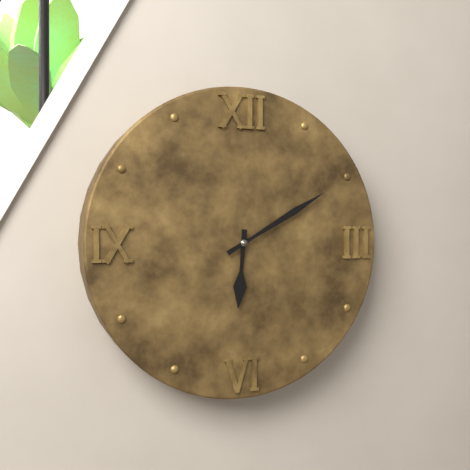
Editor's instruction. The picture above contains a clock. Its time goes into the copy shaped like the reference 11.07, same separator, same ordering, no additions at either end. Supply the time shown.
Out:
6.10
